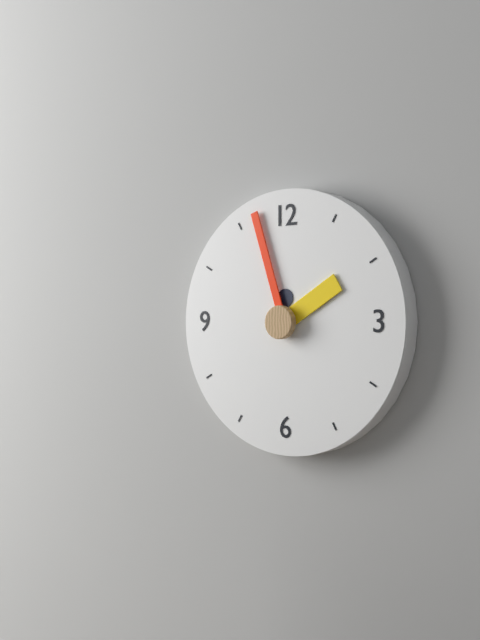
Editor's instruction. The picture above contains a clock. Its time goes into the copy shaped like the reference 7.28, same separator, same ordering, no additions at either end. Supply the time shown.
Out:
1.57
